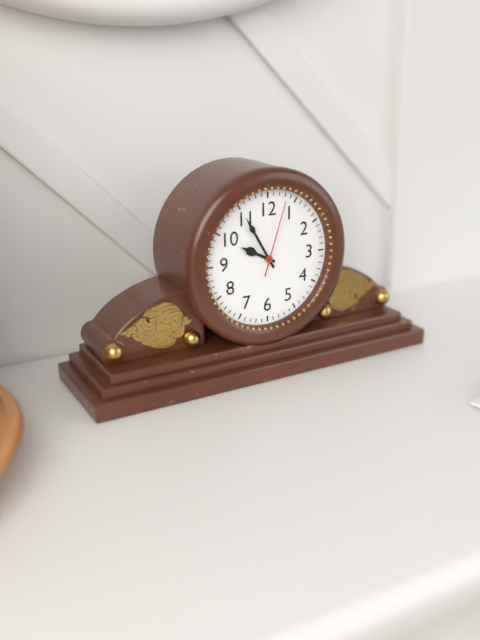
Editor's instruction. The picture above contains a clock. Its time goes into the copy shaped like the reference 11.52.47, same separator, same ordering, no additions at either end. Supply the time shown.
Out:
9.55.03
